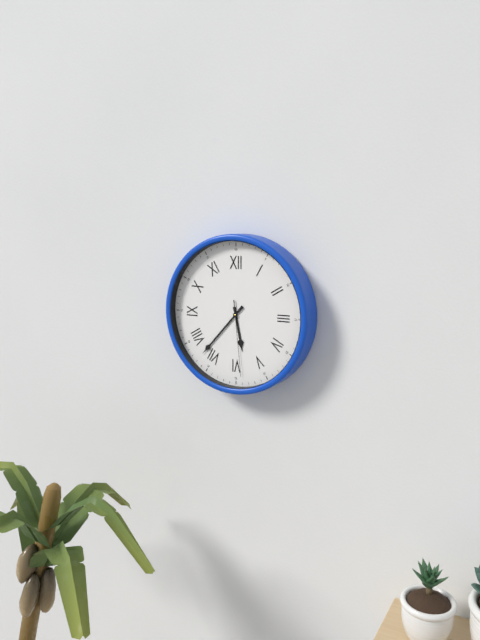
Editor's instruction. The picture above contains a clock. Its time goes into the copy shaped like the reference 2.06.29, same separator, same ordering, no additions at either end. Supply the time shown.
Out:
5.37.29
